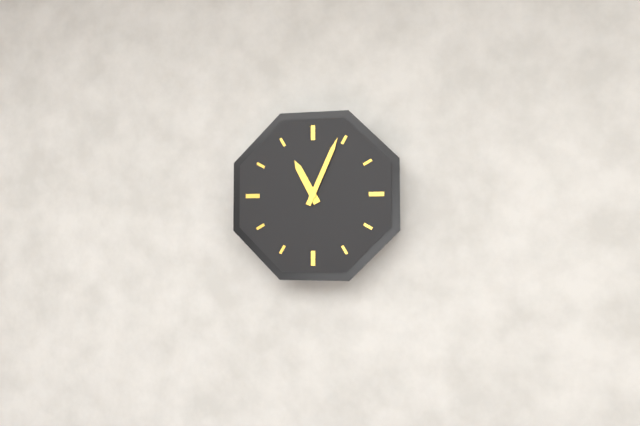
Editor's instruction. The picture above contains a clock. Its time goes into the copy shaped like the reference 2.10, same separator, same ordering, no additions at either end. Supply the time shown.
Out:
11.04
